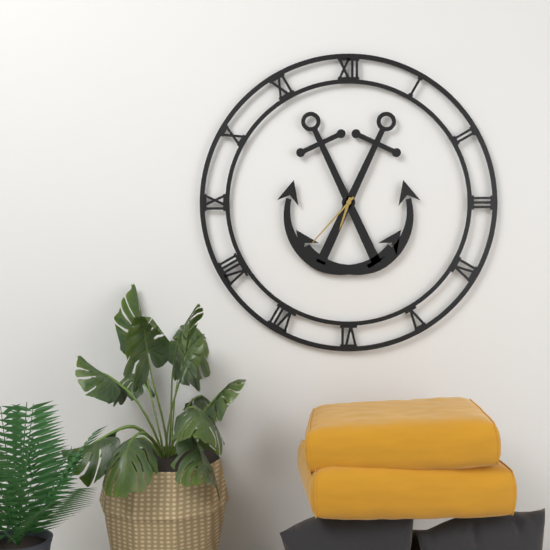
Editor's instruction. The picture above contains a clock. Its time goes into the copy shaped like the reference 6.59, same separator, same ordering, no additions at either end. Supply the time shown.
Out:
6.37
